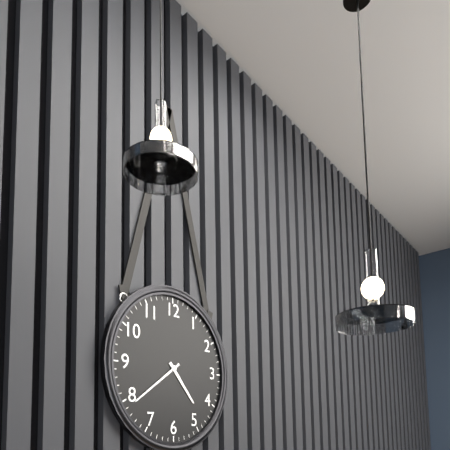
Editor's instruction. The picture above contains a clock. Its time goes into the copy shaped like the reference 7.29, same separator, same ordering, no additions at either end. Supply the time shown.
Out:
4.39
